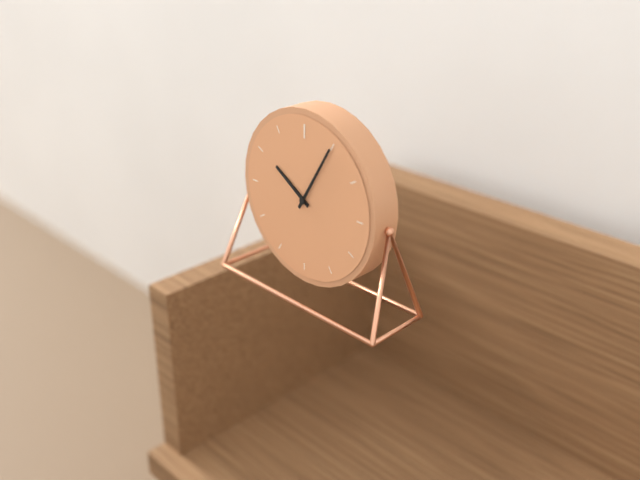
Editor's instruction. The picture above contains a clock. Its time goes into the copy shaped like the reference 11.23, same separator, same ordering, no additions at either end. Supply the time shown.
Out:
10.05
